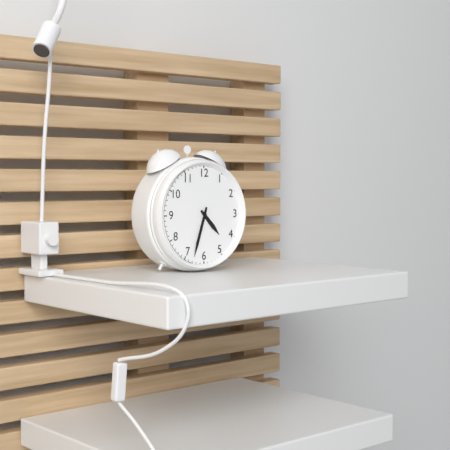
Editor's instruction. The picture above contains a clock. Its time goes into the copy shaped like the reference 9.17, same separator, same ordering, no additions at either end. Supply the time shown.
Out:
4.33
